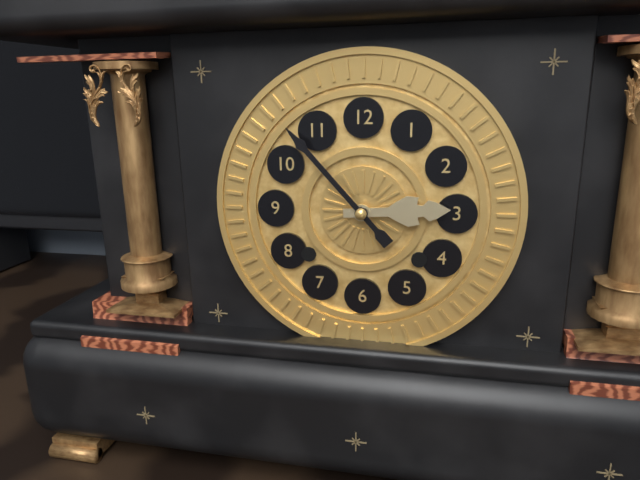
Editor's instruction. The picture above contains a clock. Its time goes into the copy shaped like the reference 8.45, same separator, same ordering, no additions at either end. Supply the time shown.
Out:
2.53
